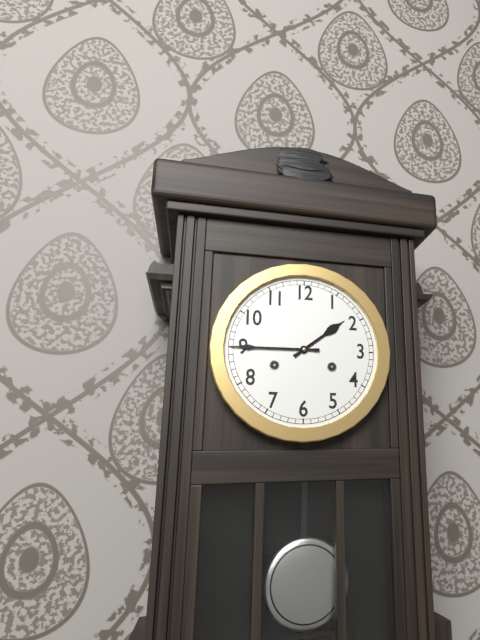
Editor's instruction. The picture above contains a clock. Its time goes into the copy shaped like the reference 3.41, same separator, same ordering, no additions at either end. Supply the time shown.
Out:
1.45
